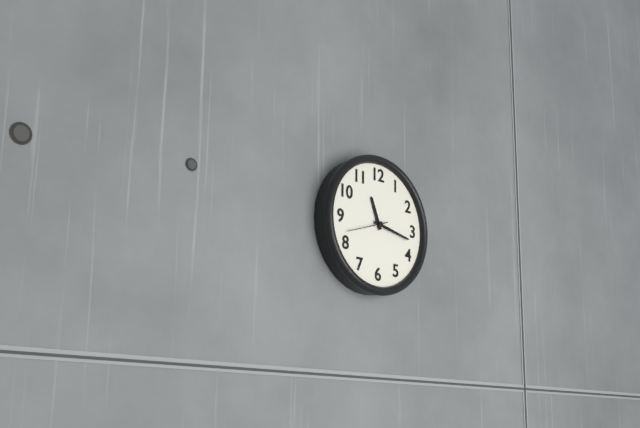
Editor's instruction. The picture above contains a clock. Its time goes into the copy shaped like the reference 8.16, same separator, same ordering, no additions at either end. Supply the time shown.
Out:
11.17
